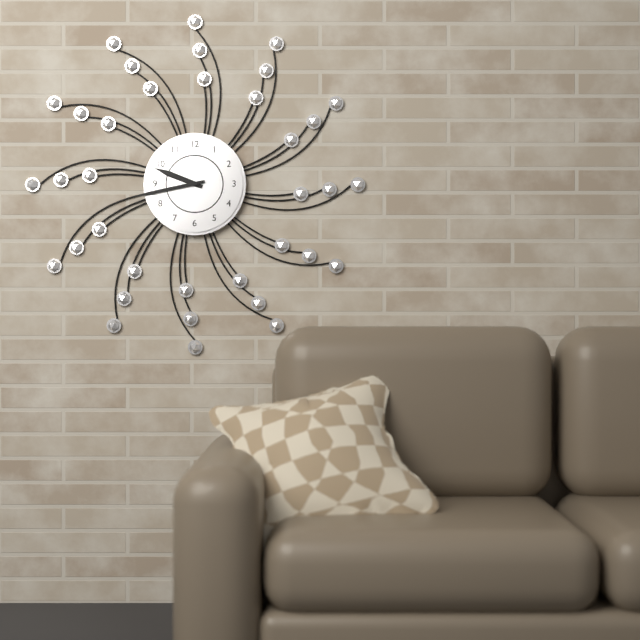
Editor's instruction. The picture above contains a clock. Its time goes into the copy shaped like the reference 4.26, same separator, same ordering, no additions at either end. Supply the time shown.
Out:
9.43
